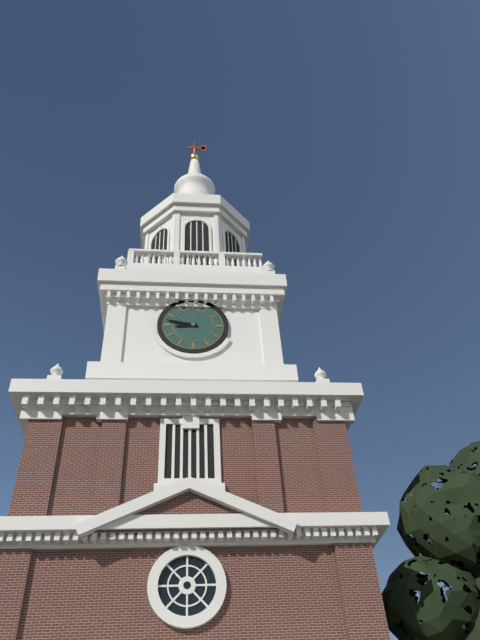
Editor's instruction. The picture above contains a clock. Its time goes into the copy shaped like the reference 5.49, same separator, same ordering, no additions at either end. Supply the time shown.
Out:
8.47
